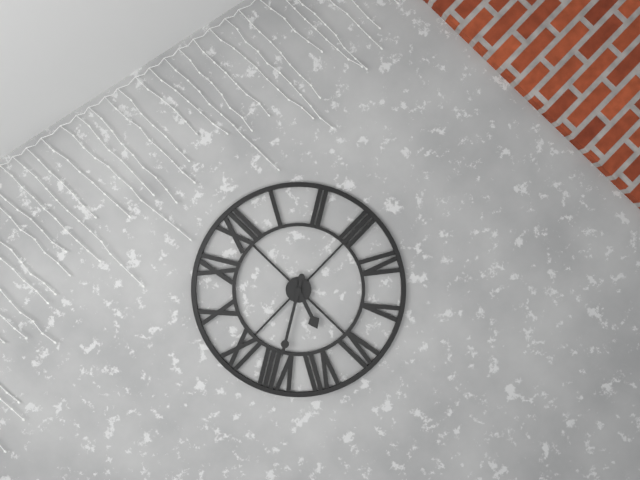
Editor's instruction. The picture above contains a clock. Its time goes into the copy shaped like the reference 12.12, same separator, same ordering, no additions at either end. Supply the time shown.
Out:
6.40
